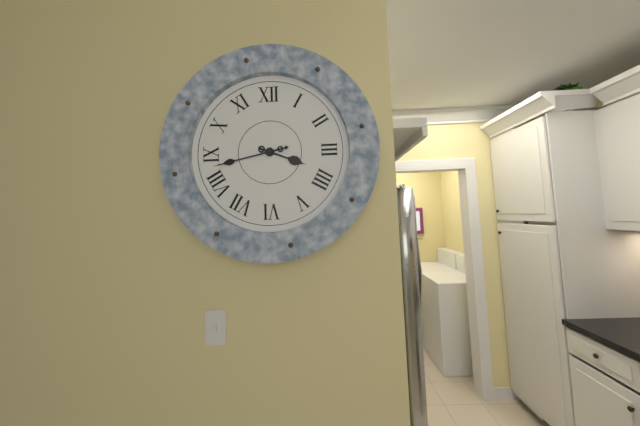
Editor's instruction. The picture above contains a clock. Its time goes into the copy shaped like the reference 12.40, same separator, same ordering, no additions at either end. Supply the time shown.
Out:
3.43
